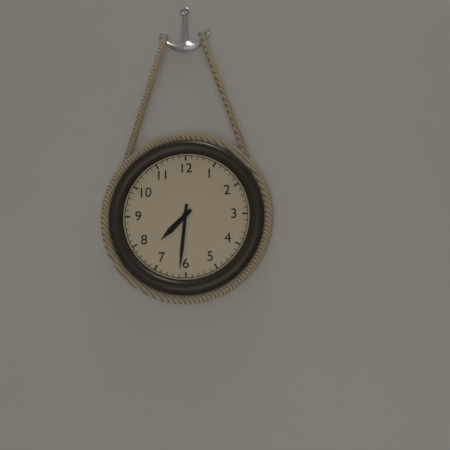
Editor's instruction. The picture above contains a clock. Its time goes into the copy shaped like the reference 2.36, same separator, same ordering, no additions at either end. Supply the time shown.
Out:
7.31
